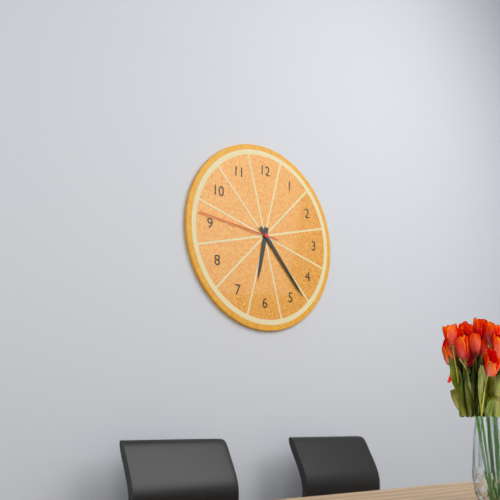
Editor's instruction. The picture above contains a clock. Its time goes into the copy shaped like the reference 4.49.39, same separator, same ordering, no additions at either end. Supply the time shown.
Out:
6.23.46
